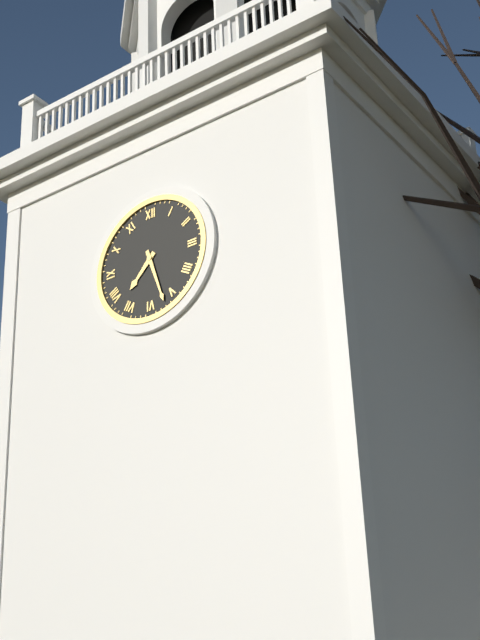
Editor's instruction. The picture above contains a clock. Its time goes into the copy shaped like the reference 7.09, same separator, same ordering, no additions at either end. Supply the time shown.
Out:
7.27
